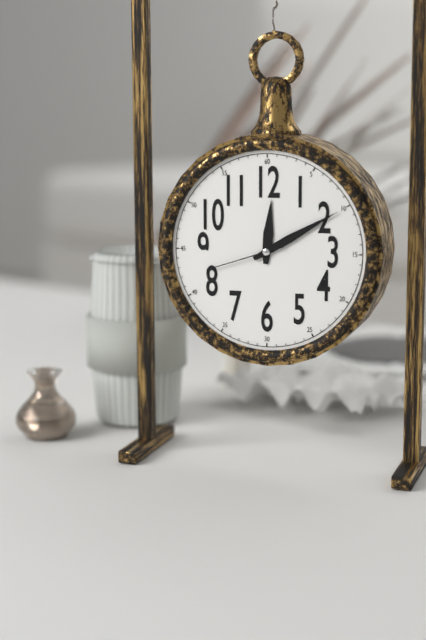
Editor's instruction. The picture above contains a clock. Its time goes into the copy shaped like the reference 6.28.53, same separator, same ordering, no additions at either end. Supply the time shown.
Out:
12.10.42
